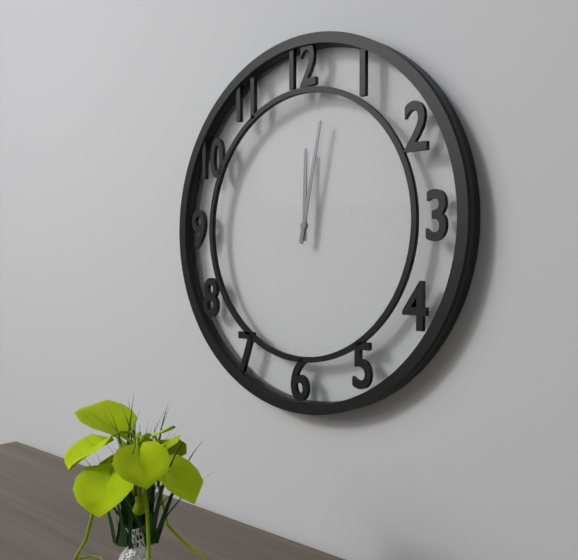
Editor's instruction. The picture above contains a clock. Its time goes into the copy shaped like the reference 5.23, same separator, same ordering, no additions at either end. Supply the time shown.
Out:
12.02
